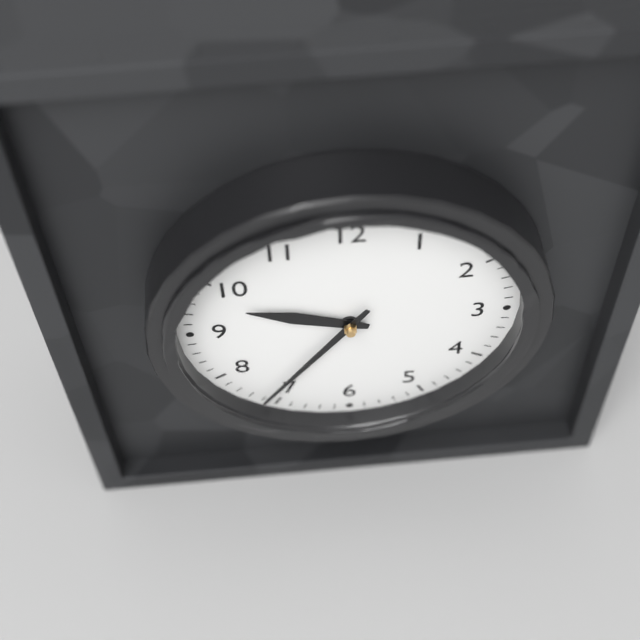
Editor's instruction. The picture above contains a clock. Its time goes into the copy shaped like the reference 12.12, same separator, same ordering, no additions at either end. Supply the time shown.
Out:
9.36
